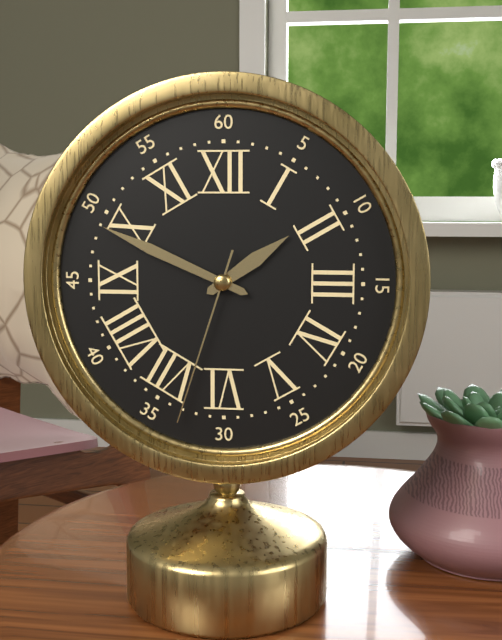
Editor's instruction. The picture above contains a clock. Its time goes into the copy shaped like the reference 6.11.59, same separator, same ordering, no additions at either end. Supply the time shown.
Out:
1.49.33
